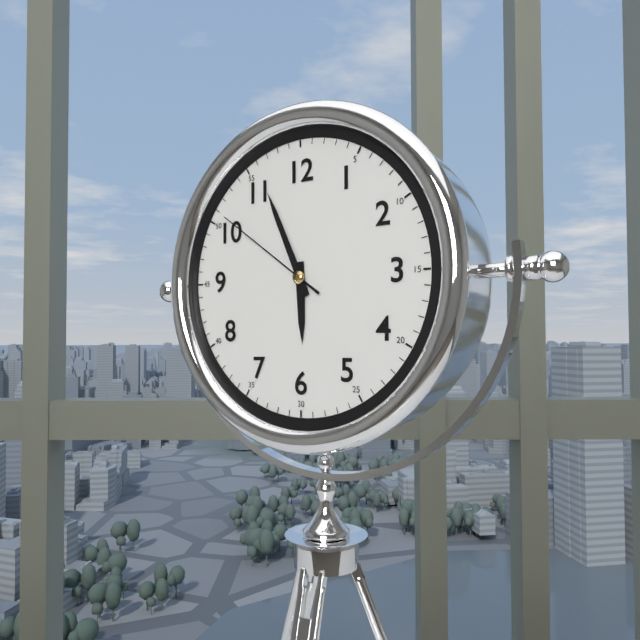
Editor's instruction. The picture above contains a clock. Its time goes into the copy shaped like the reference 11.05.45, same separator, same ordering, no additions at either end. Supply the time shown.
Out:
5.56.51
